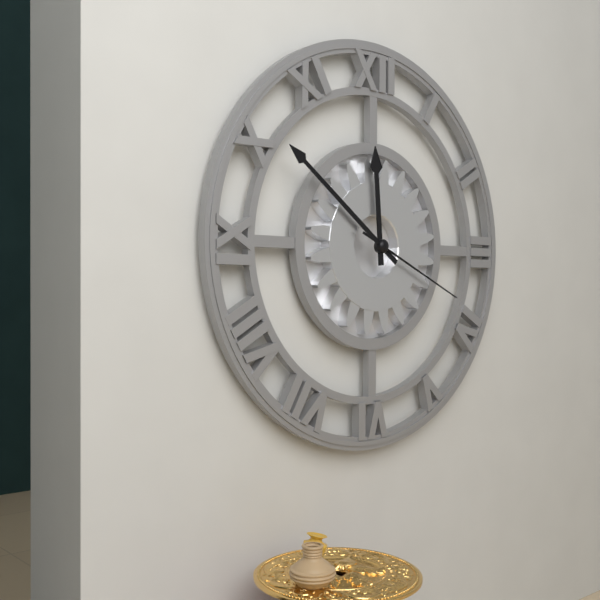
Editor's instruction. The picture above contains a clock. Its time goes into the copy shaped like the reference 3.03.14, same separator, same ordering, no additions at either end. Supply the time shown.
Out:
11.51.19
